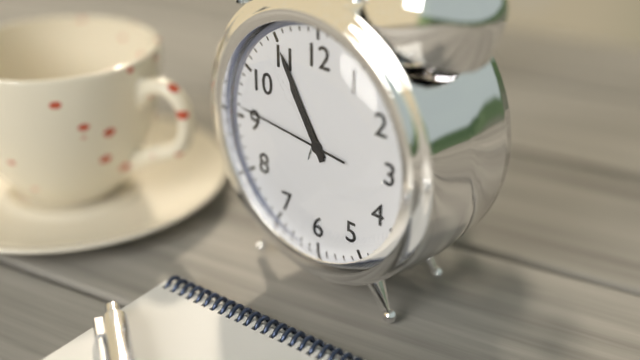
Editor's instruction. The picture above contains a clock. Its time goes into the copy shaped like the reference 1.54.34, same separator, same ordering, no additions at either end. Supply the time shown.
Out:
10.55.46
